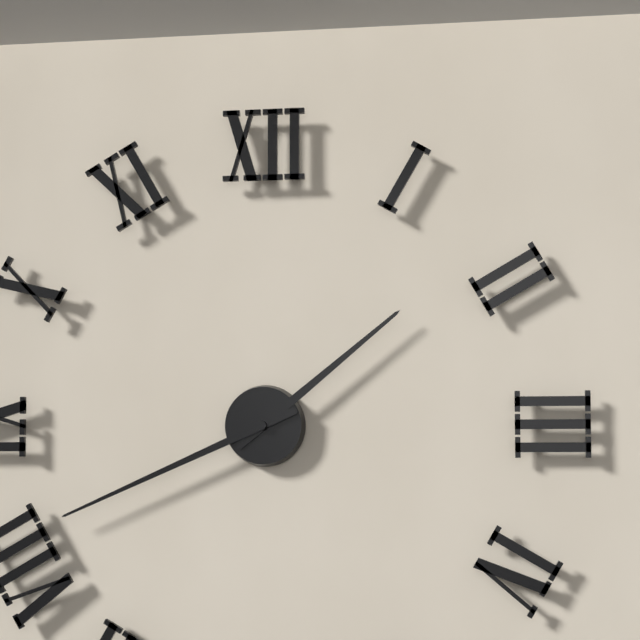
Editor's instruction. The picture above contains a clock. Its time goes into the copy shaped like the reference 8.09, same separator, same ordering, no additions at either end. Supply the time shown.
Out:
1.41
